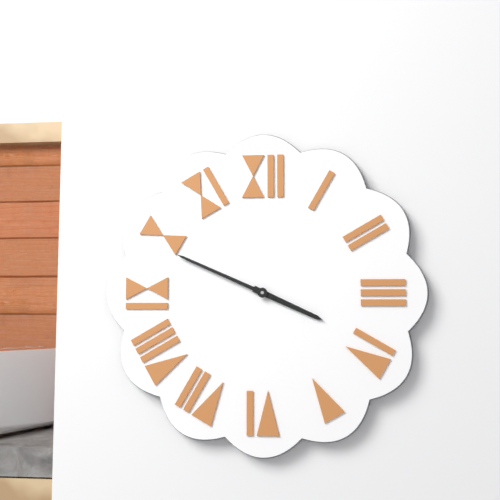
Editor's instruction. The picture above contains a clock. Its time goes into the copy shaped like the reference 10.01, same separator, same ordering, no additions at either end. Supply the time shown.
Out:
3.49
